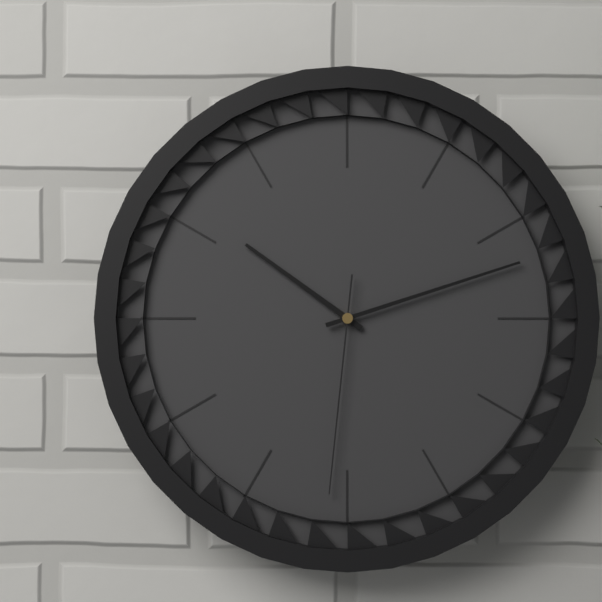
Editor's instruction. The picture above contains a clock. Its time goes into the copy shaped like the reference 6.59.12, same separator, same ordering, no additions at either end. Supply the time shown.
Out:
10.12.31
